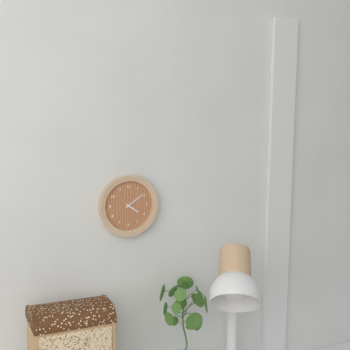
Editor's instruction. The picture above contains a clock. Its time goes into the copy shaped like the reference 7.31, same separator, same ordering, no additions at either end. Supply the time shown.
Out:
4.09
